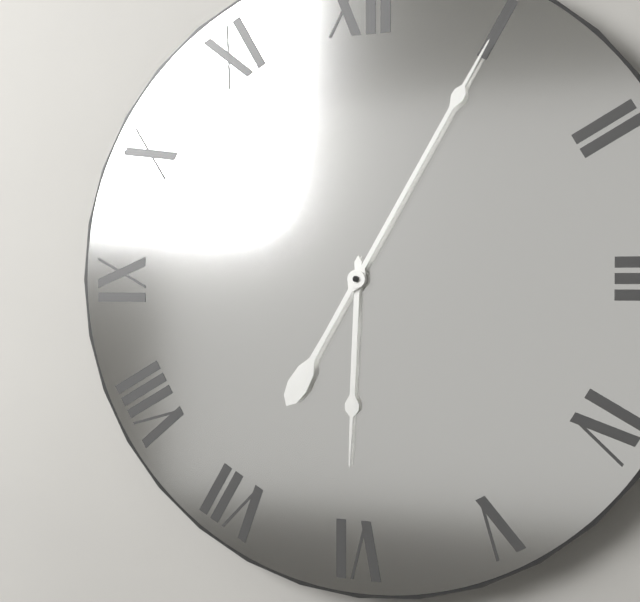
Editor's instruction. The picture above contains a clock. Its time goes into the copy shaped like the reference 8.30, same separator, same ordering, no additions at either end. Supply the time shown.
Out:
6.05
